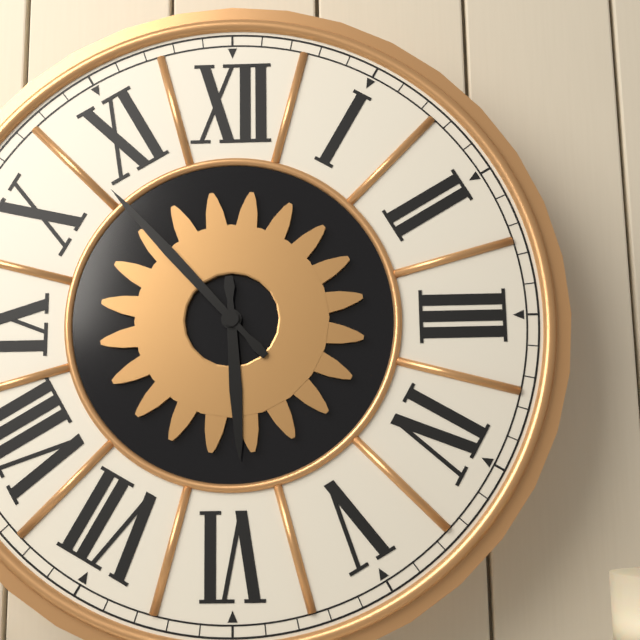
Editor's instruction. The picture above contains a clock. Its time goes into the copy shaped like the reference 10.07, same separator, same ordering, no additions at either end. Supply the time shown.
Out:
5.53
